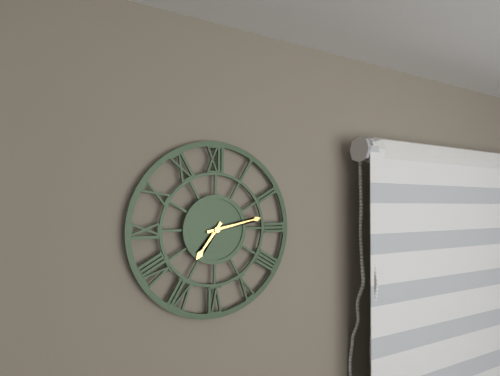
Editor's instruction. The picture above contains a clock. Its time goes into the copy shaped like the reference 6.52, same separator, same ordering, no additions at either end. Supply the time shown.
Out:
7.13
